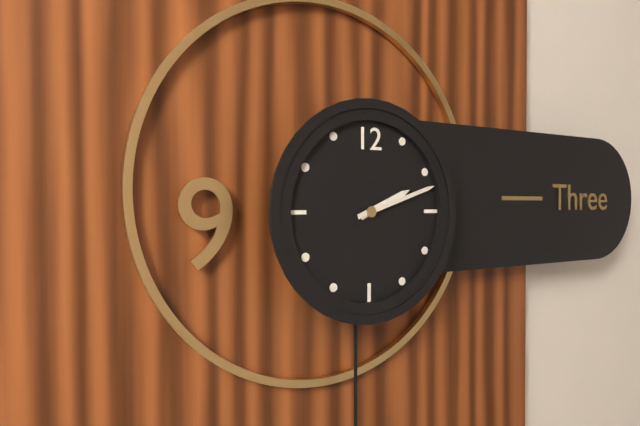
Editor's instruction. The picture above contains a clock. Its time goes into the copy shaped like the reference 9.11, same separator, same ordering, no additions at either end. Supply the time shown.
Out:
2.12
